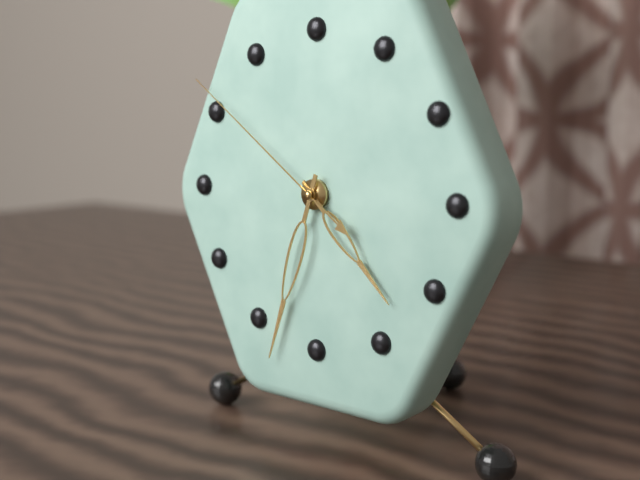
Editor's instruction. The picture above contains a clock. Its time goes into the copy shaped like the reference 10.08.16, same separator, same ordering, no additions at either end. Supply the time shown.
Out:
4.33.51
